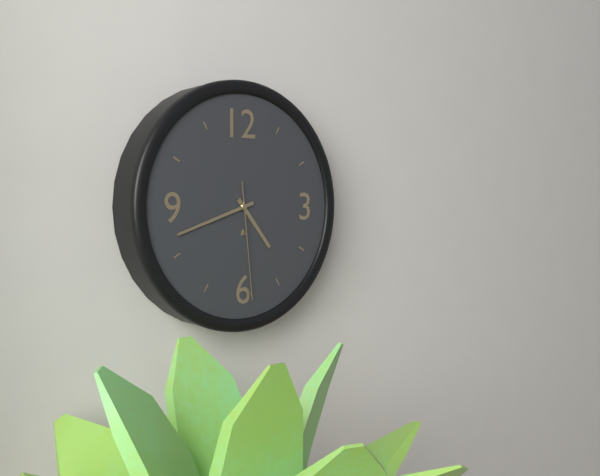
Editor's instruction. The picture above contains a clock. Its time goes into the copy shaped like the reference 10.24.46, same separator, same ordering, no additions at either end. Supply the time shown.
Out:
4.42.29
